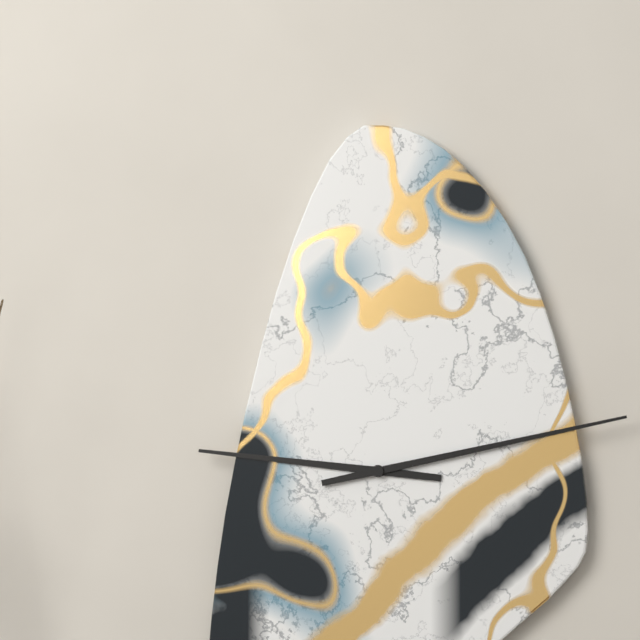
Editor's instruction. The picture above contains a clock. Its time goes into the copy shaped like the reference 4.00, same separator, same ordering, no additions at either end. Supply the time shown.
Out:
9.13
